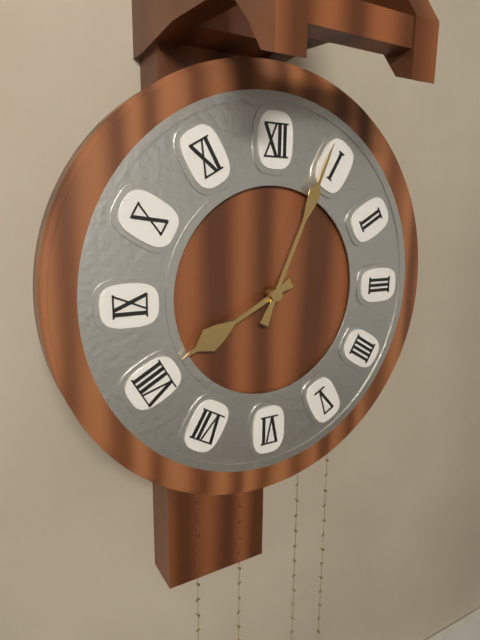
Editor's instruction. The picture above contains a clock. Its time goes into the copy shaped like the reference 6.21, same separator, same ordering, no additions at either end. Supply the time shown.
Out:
8.04
